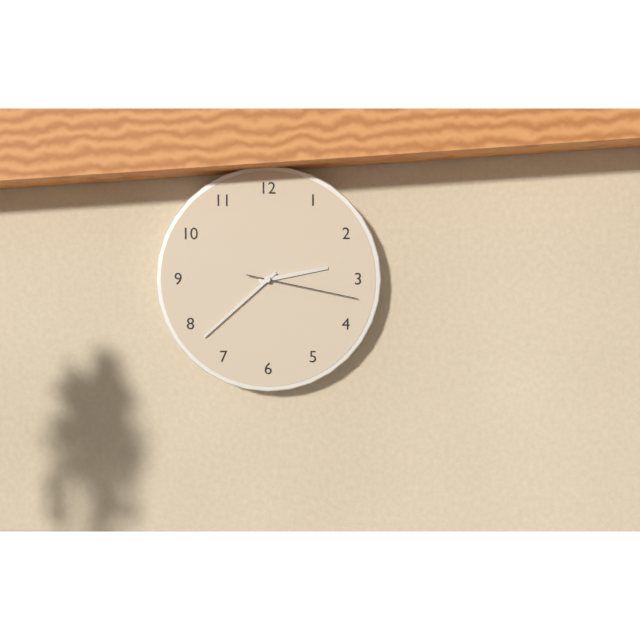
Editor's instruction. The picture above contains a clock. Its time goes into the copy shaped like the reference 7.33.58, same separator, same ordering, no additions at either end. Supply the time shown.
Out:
2.38.17
